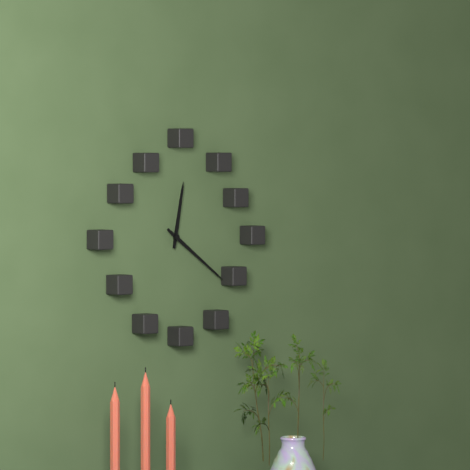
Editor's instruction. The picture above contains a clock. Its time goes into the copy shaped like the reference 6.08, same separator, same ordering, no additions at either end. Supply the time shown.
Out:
12.21
